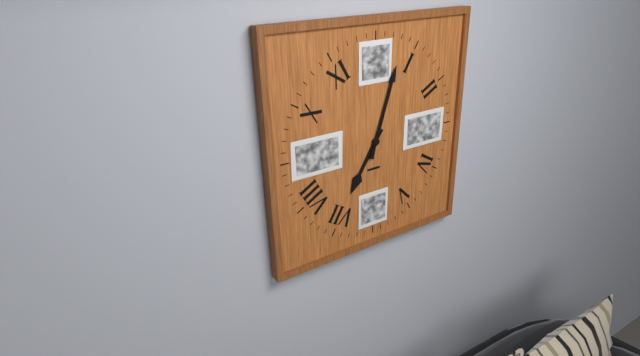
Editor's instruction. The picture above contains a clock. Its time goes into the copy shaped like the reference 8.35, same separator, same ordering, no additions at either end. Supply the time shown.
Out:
7.03
